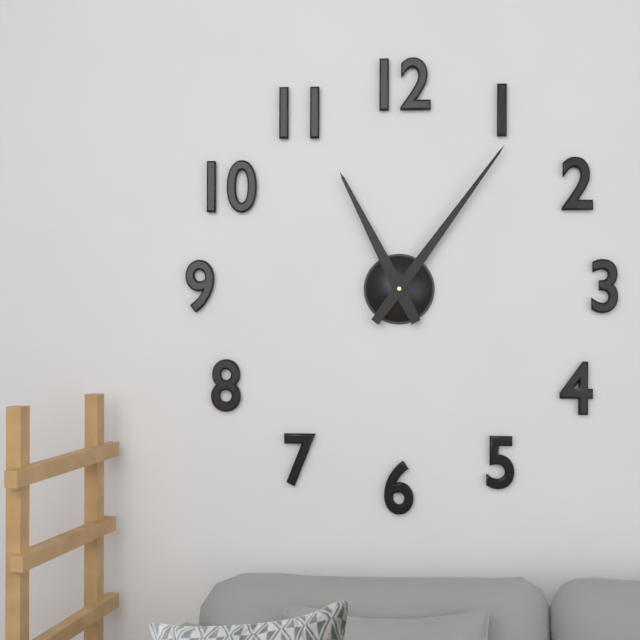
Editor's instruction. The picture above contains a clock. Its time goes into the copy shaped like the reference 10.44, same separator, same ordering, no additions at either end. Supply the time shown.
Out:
11.06
